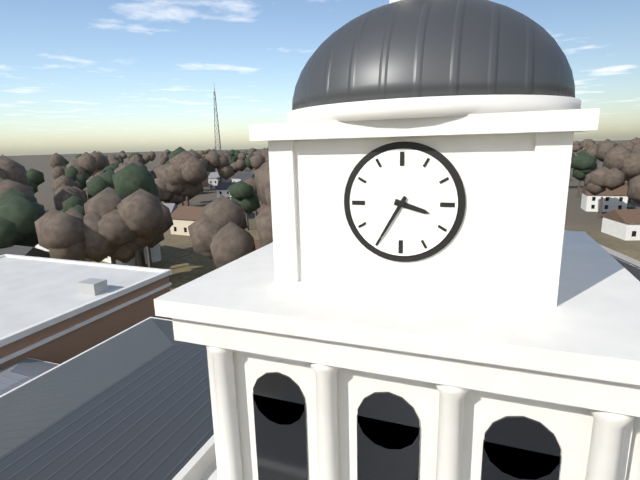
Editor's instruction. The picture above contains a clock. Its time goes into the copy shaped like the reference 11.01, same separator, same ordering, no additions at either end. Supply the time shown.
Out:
3.35
